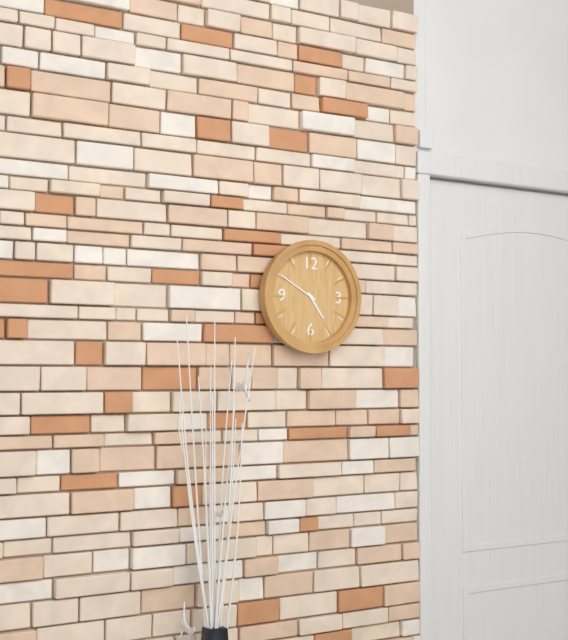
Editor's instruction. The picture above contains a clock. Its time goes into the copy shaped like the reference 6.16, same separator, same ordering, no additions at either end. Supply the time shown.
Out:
4.50
